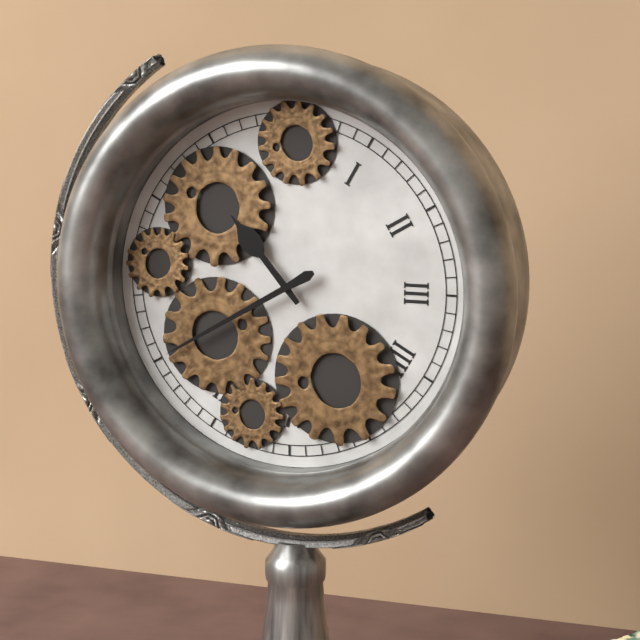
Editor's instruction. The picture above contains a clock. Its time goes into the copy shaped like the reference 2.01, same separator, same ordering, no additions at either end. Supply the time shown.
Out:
10.40
